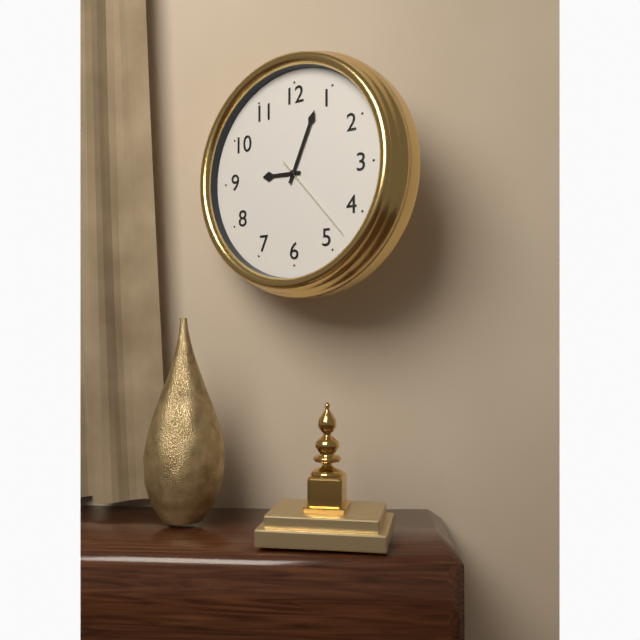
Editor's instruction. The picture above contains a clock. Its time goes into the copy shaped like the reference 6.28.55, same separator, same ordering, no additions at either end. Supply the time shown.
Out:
9.04.23
